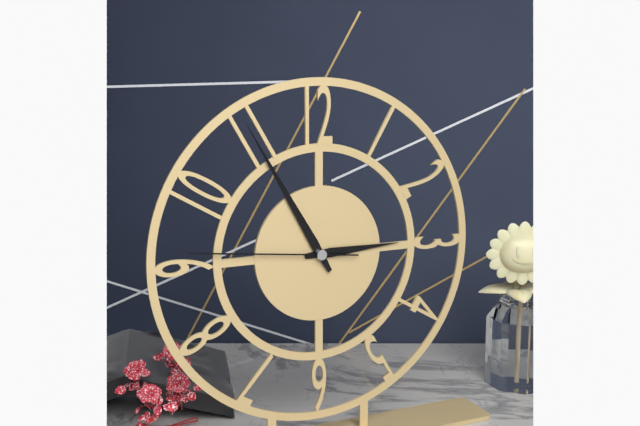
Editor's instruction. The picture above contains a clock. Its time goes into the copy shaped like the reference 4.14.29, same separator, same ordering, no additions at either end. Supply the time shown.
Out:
2.55.46
